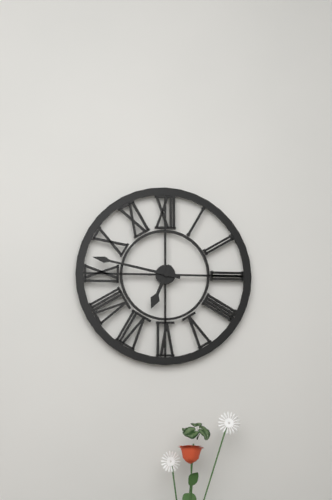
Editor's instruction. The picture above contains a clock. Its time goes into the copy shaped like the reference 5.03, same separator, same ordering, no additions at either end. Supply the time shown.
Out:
6.47
